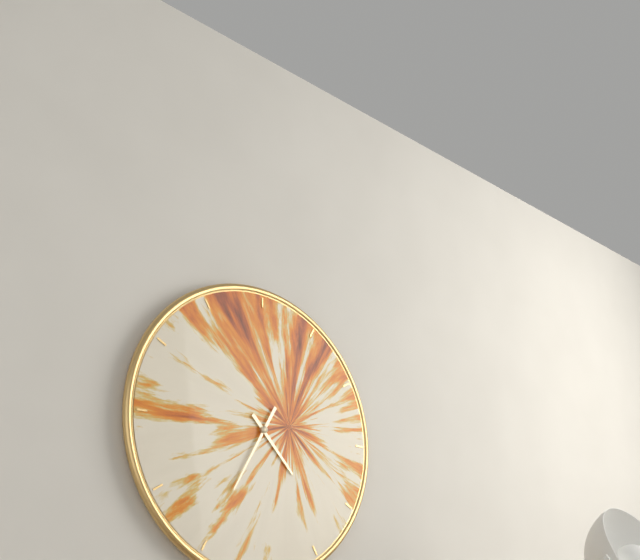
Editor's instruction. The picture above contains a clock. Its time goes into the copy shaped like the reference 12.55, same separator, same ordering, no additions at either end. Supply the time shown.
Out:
4.35
